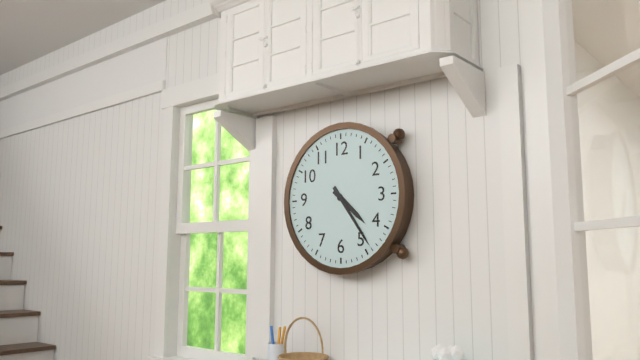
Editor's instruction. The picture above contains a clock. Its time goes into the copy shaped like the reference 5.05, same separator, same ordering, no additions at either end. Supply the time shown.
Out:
4.24
